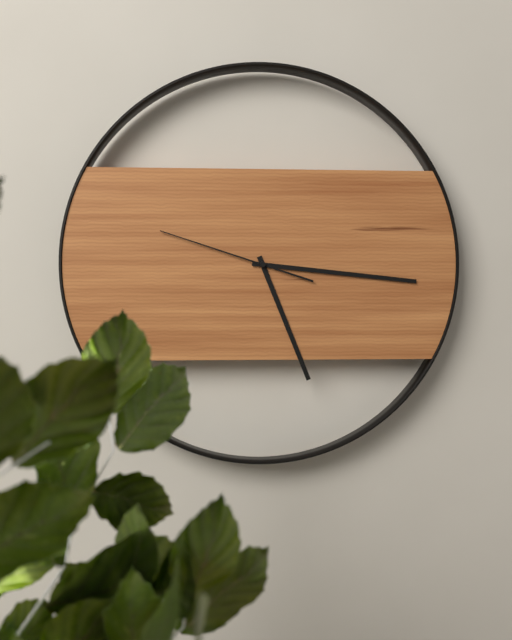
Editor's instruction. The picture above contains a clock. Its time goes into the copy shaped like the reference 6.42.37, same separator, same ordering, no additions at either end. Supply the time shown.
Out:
5.16.48
